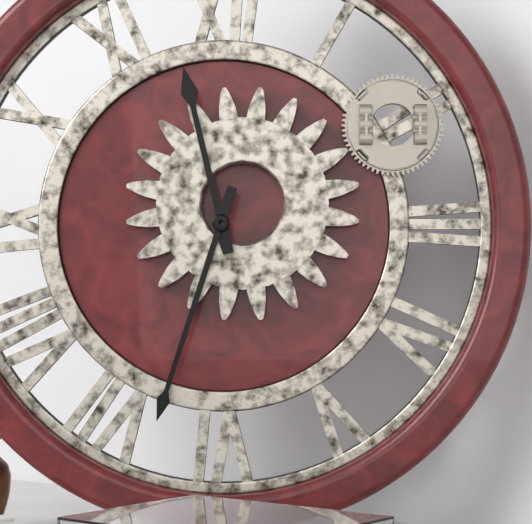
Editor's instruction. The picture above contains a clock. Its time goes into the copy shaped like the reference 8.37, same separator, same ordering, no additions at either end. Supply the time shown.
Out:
11.33
